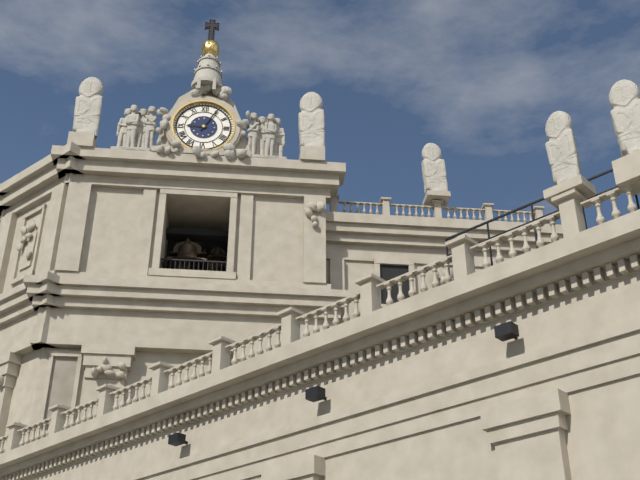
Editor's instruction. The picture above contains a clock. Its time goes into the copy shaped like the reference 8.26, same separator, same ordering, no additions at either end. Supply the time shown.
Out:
9.05
